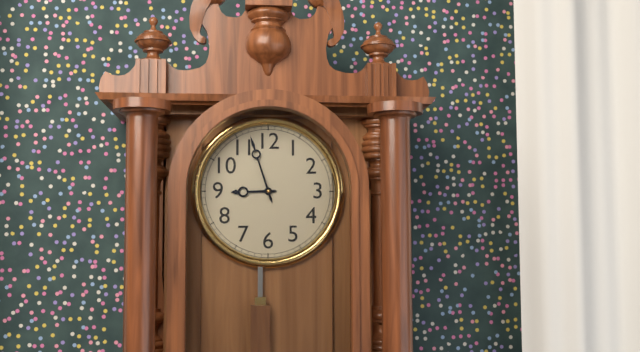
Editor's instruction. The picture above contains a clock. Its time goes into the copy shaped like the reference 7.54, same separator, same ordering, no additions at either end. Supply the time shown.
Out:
8.57
